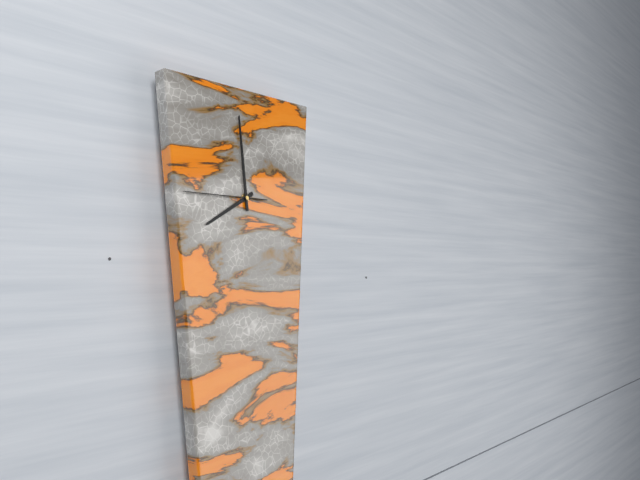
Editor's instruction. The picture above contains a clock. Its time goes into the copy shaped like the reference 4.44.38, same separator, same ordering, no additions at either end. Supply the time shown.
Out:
7.59.45
